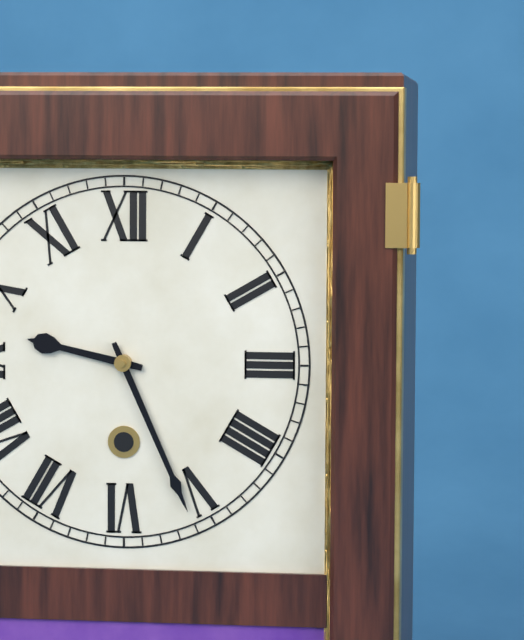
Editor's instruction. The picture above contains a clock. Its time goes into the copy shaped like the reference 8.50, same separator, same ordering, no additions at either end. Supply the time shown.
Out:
9.26
